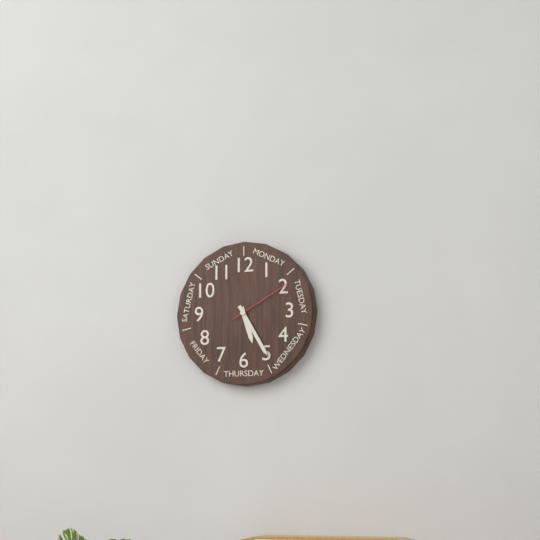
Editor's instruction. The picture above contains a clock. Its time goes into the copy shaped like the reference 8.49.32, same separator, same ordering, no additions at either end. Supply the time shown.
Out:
5.25.10
